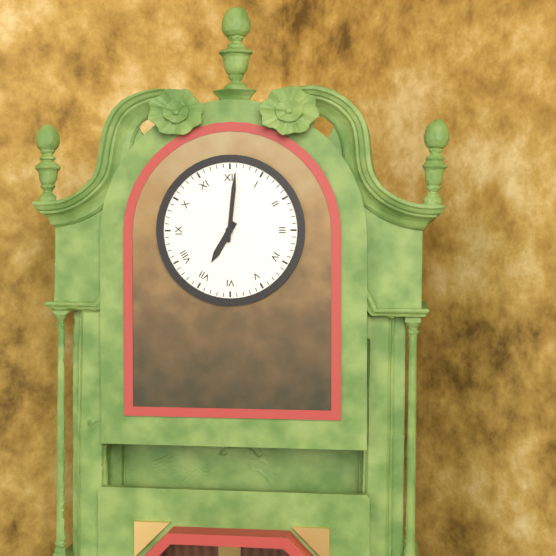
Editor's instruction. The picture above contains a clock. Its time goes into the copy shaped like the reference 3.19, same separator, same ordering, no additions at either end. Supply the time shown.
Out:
7.01
